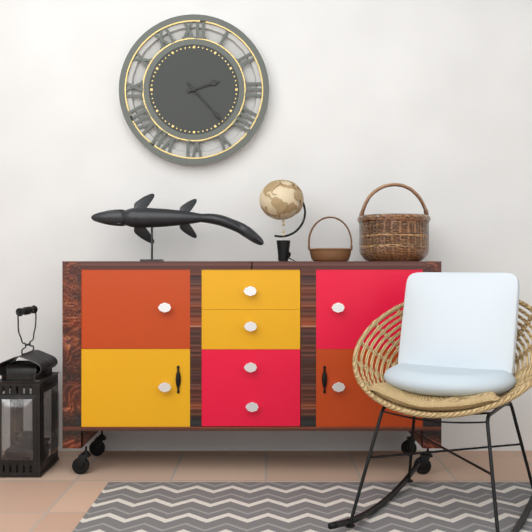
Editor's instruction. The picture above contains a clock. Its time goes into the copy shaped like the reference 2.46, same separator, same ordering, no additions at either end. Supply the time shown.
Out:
2.23
